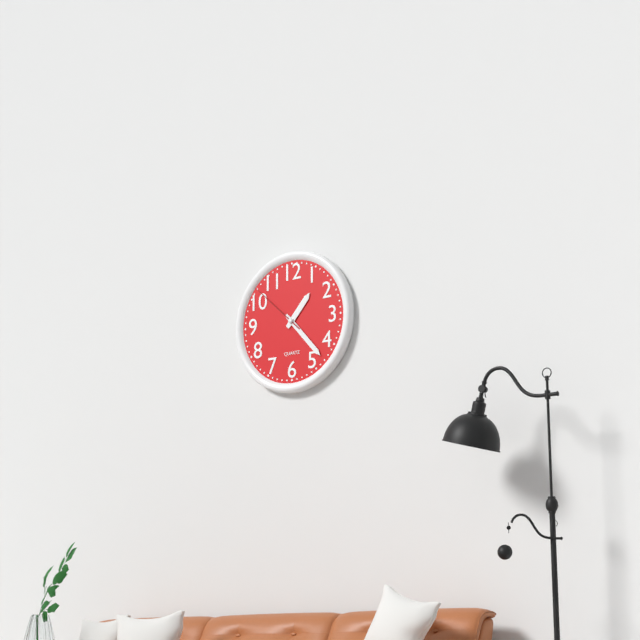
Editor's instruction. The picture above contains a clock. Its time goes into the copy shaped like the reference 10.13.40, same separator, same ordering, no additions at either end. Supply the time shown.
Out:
1.23.52
